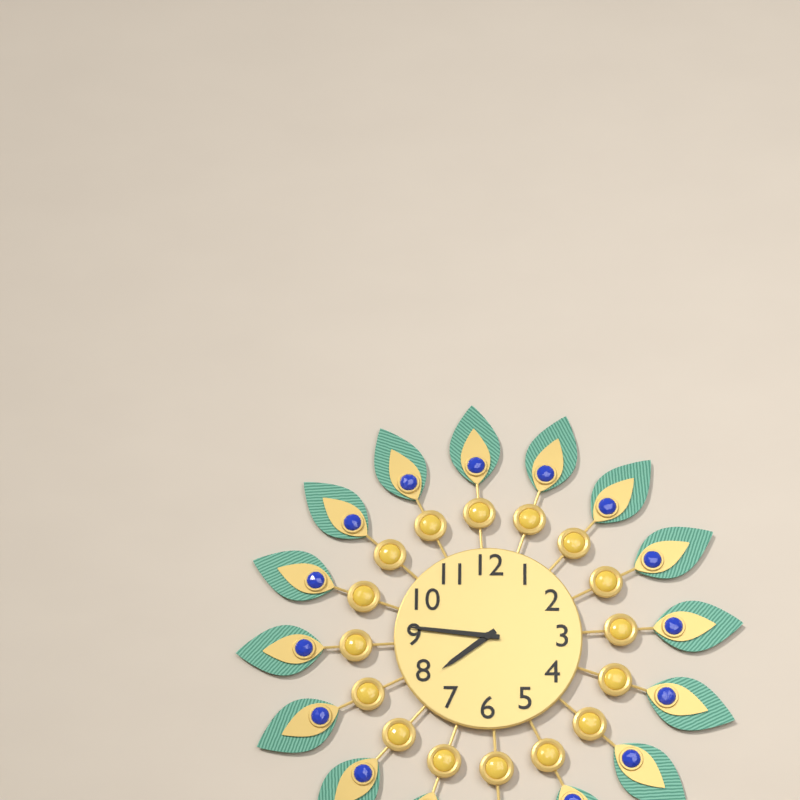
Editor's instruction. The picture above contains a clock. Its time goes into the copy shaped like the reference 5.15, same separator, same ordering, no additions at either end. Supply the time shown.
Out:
7.46
